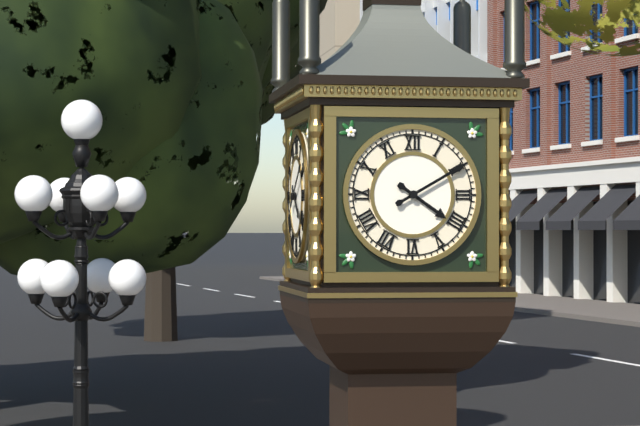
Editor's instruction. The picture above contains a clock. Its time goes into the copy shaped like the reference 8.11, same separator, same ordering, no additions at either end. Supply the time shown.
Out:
4.10
